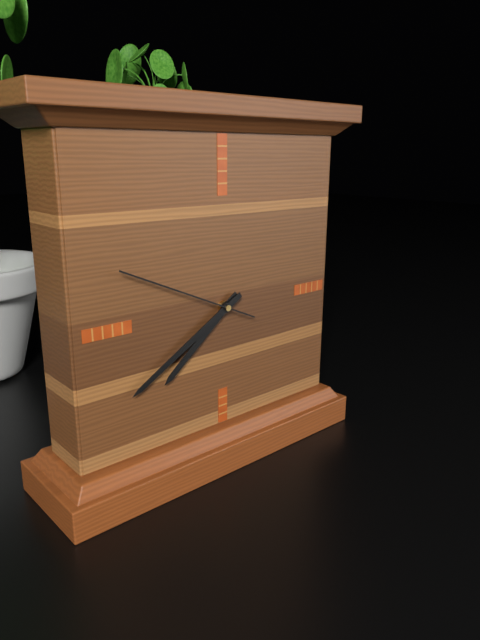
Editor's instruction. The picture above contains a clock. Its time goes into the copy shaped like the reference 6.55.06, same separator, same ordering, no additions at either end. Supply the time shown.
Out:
7.40.49
